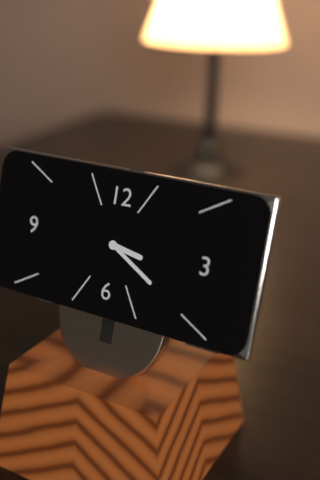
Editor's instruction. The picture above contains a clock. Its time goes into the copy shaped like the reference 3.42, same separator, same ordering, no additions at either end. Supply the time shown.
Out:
3.20
